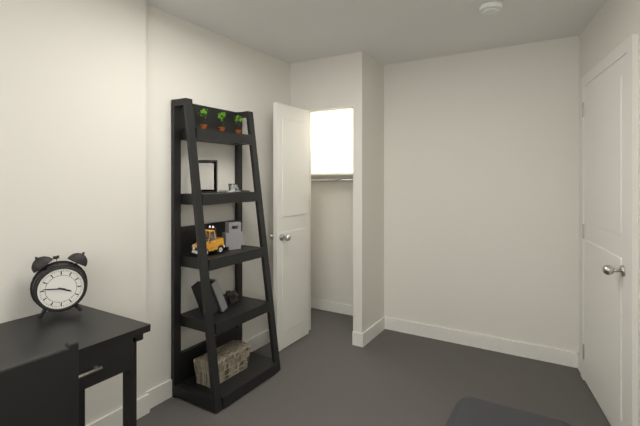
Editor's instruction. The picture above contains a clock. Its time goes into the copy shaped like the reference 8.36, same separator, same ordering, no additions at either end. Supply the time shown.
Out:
3.46
